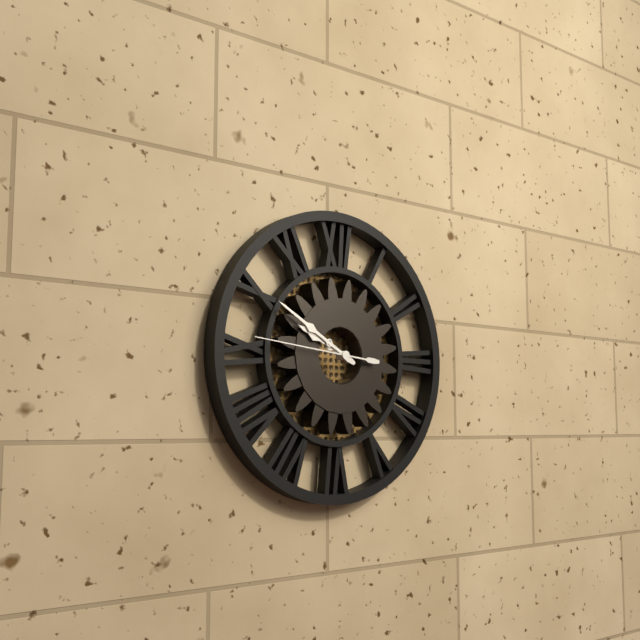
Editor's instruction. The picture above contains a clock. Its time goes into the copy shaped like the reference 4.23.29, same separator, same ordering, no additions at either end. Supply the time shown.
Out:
9.50.46
